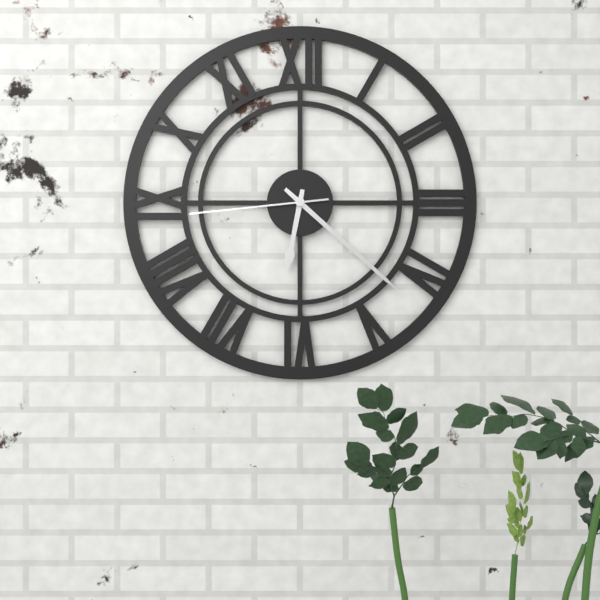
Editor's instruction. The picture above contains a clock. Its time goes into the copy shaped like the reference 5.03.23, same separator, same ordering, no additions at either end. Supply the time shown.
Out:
6.22.44
